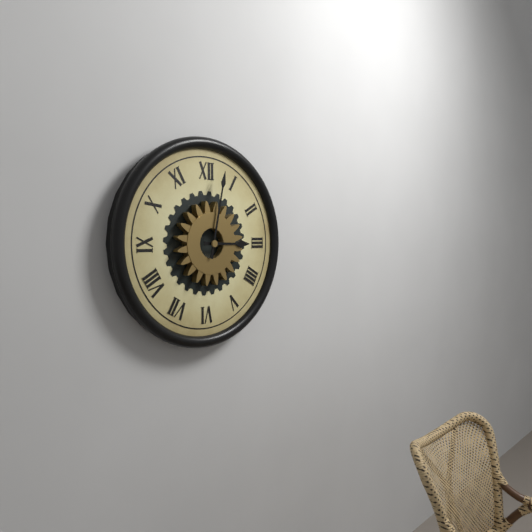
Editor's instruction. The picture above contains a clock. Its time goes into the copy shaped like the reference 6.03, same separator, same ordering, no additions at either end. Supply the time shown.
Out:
3.02
